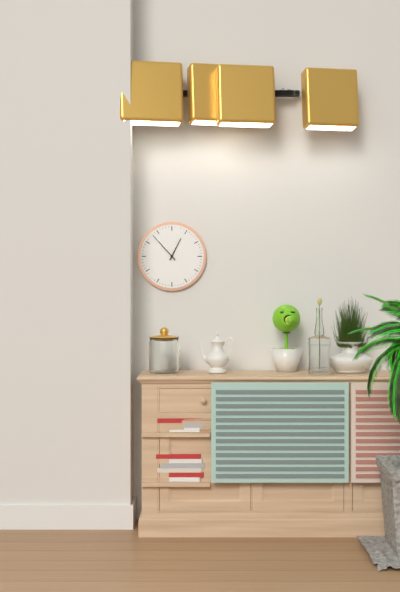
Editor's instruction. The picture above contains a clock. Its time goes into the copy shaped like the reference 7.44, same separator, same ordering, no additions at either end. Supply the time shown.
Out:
12.53
